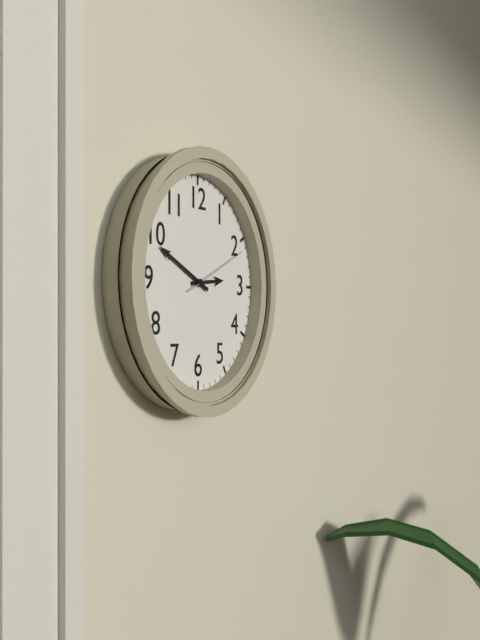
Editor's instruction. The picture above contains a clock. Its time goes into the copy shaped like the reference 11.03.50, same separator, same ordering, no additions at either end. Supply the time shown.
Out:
2.49.11
